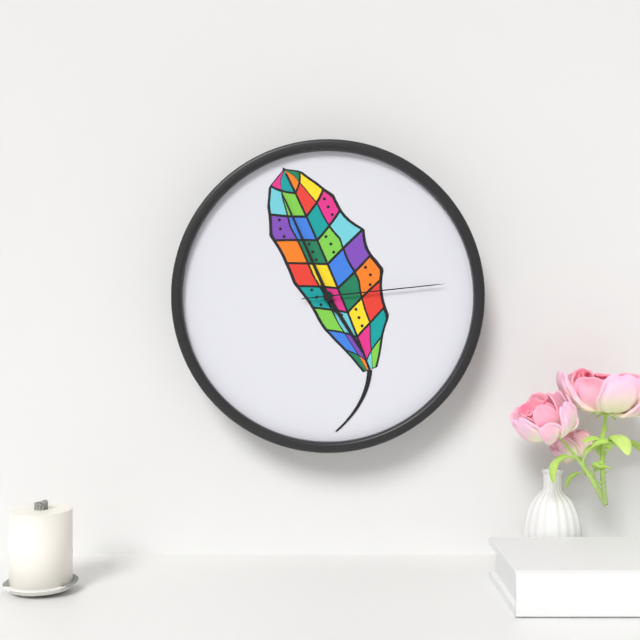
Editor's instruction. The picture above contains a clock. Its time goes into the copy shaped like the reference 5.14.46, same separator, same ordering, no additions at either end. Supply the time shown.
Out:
4.56.14
